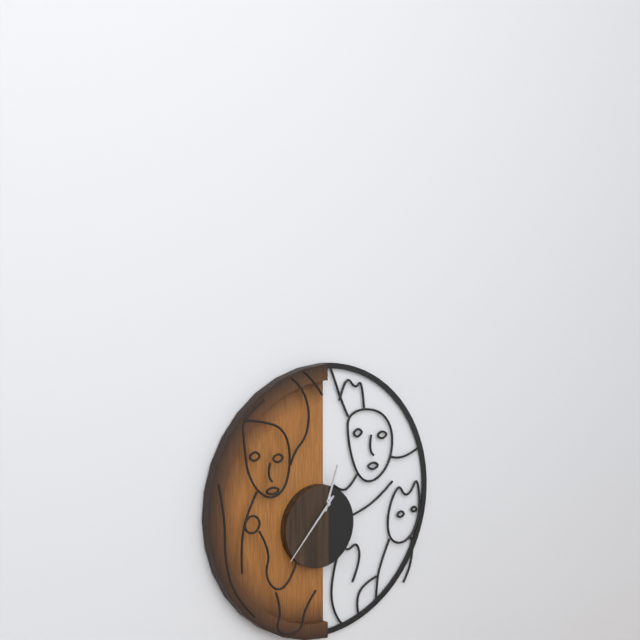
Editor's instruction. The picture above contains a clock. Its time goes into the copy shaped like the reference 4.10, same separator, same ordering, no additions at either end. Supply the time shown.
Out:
12.37
